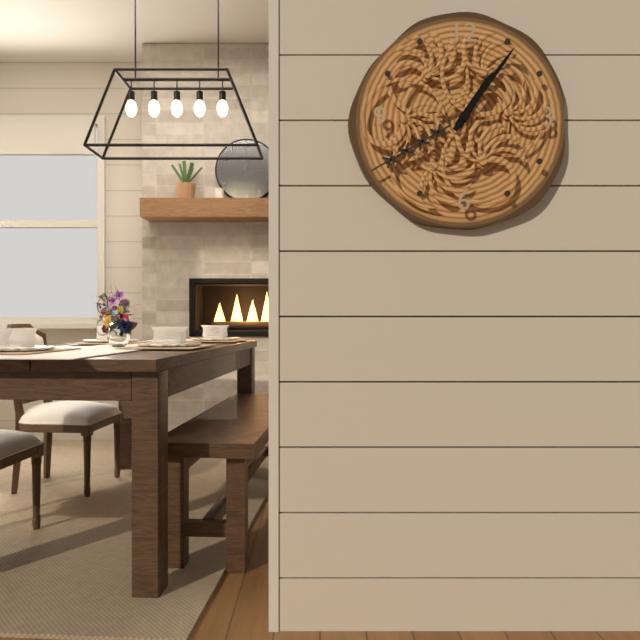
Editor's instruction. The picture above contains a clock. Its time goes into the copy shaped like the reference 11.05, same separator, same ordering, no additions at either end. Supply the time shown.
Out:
1.06
